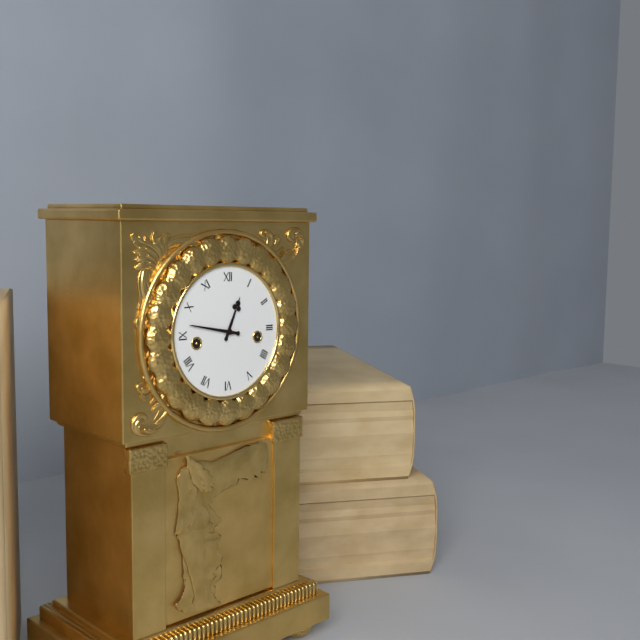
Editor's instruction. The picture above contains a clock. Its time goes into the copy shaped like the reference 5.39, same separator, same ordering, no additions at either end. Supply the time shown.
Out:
12.47
